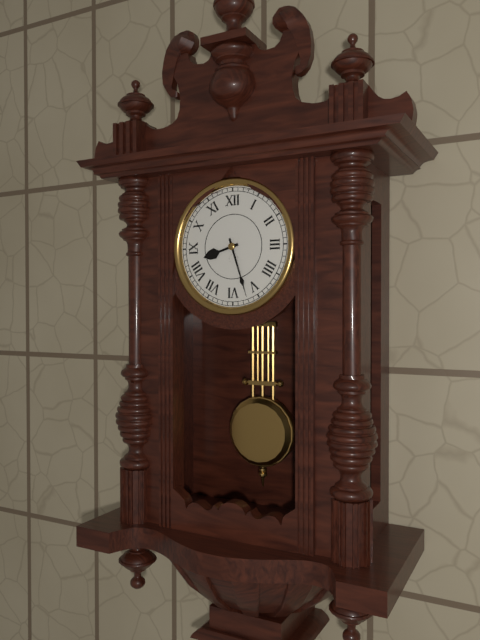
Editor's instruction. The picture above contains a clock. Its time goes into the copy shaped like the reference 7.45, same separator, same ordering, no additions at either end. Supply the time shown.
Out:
8.27
